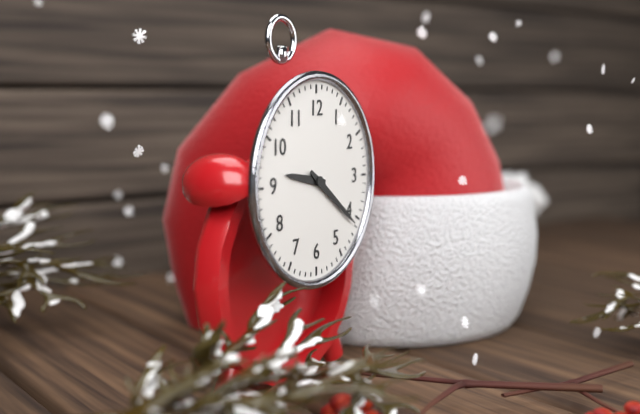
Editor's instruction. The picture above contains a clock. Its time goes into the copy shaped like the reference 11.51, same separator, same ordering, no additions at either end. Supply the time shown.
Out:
9.21
